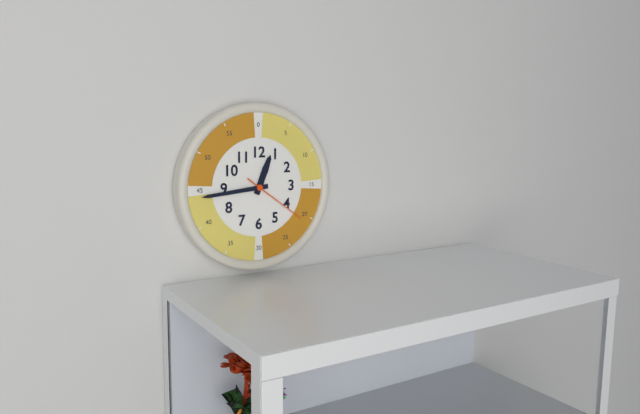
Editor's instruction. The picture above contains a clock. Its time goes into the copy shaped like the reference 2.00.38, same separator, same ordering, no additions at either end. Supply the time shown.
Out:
12.44.21
